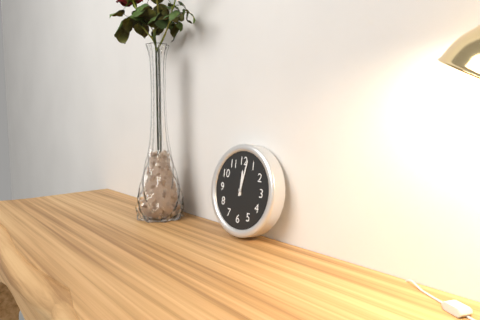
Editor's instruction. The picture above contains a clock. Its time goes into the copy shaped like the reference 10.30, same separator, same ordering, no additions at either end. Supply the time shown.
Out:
12.02
